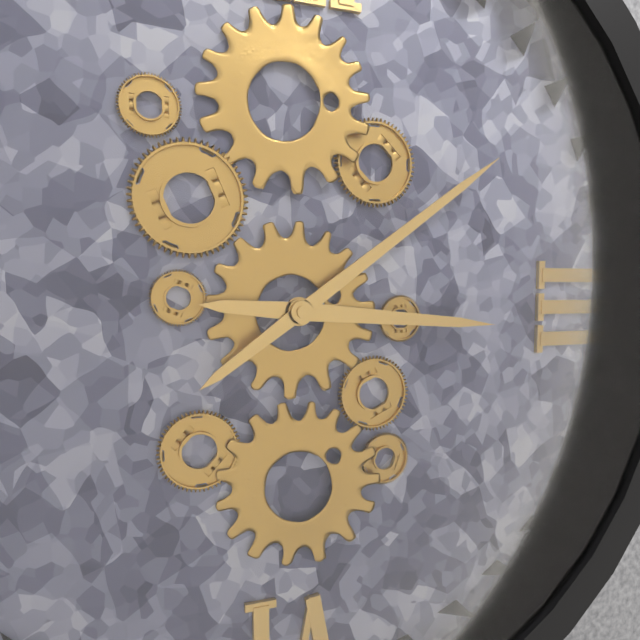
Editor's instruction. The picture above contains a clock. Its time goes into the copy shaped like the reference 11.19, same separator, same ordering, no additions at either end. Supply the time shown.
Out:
3.09
